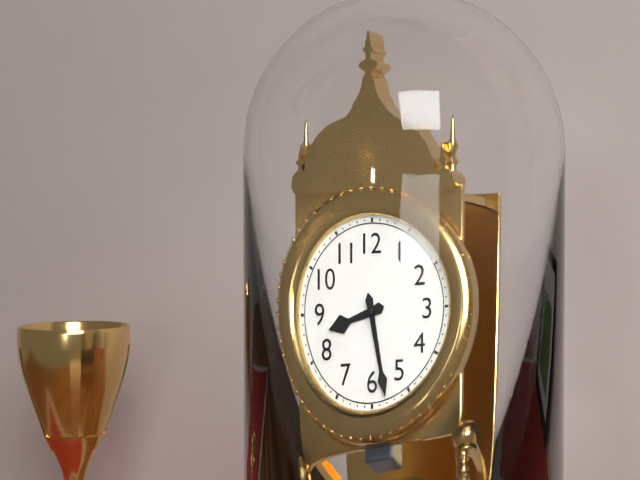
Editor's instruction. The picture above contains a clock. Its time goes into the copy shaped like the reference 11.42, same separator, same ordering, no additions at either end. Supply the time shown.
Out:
8.28
